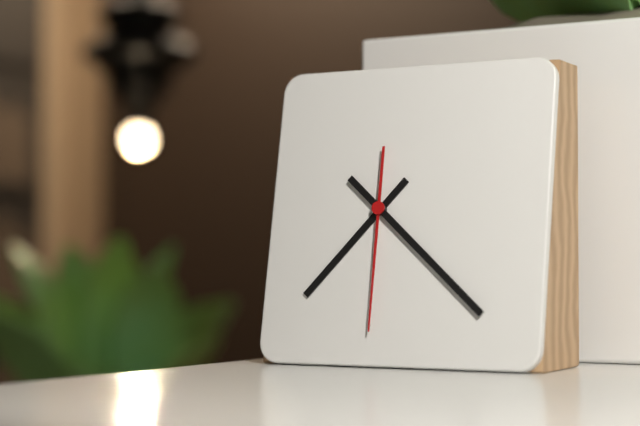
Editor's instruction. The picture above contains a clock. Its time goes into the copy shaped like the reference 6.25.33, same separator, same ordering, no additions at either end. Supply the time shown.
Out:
7.22.30
